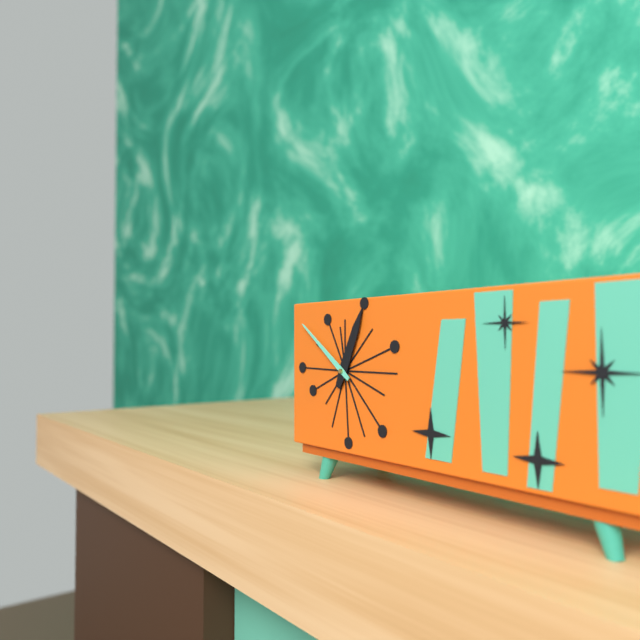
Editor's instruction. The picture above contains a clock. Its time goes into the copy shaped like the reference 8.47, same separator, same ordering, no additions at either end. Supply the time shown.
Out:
12.51
